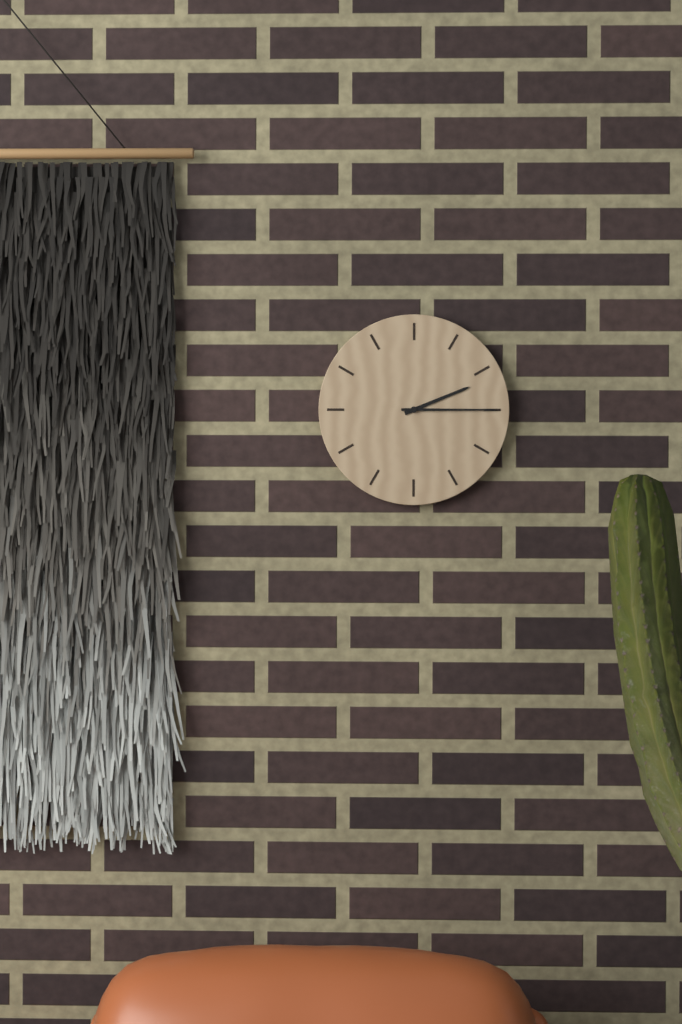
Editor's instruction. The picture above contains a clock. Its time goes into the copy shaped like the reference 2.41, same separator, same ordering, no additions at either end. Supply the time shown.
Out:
2.15
